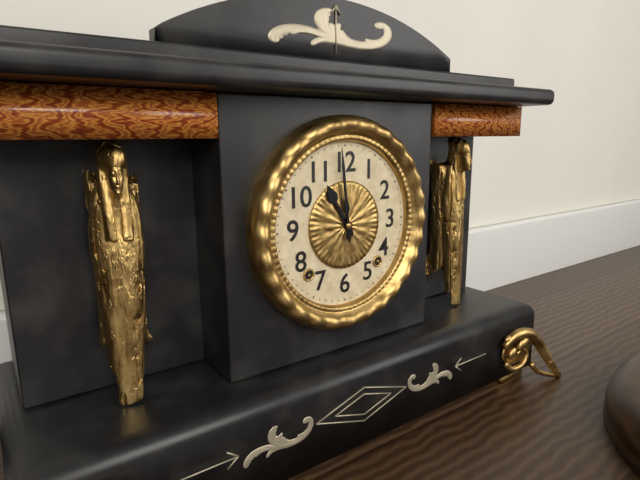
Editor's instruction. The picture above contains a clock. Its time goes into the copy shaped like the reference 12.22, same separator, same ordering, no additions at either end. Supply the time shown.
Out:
10.59
